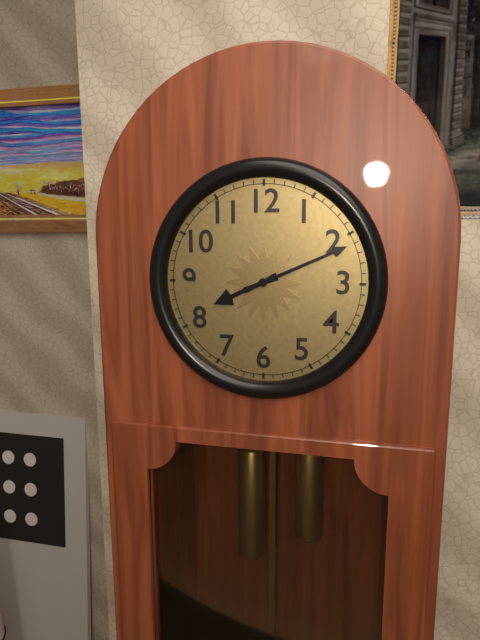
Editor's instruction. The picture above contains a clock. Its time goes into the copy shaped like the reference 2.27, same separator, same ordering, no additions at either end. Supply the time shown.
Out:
8.11
